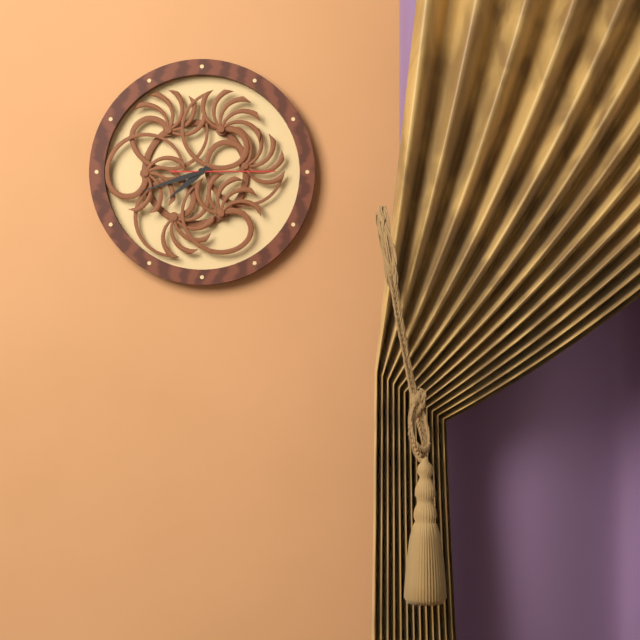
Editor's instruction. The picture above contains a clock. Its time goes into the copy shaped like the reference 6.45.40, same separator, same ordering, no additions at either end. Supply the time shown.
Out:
7.42.15
